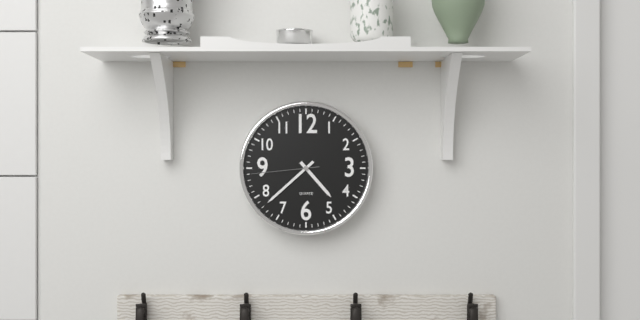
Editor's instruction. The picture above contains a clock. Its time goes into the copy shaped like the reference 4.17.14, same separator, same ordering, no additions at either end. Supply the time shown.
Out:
4.38.44
